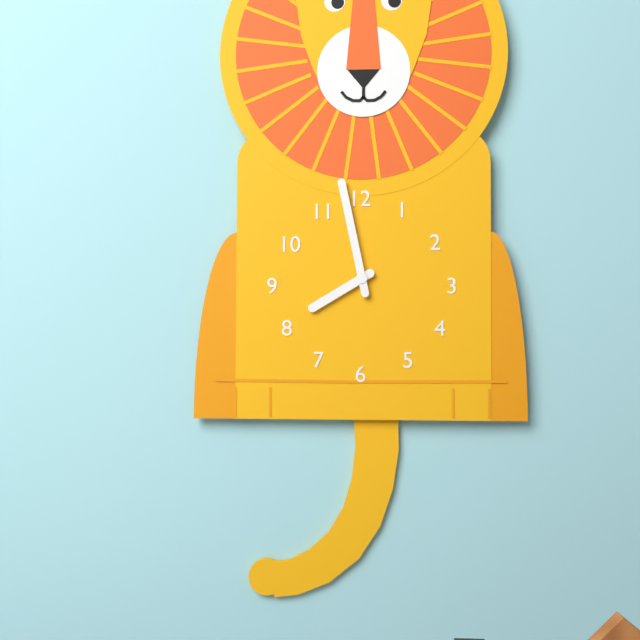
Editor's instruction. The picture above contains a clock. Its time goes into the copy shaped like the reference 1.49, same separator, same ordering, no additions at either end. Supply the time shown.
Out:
7.58
